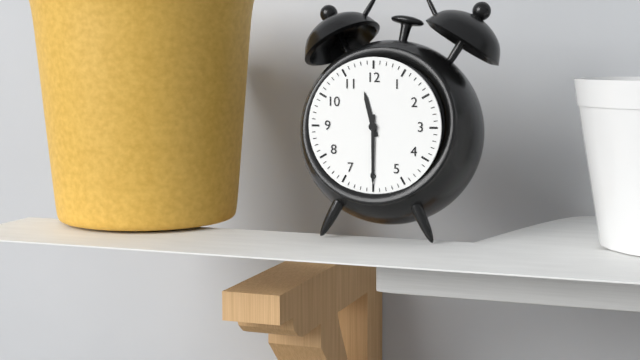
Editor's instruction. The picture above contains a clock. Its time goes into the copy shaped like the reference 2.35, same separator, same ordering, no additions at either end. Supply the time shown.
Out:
11.30
